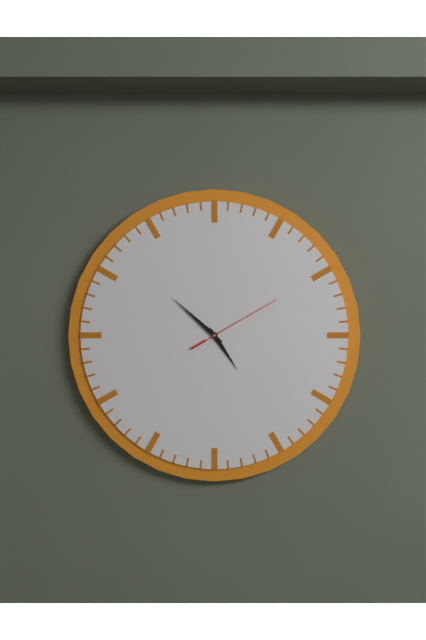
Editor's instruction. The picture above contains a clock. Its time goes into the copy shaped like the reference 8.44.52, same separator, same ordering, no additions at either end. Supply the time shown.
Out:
4.52.10
